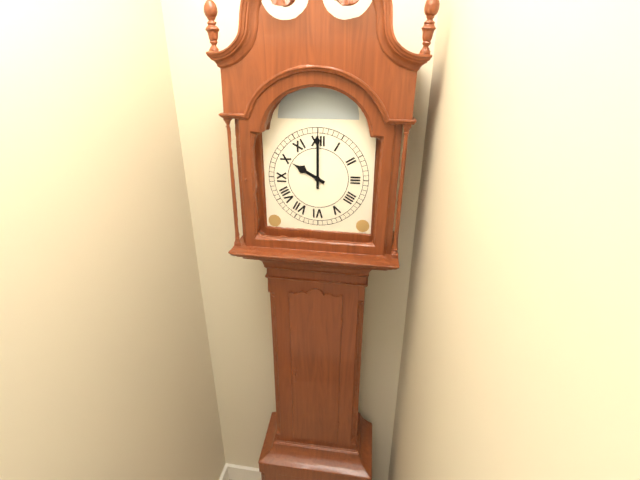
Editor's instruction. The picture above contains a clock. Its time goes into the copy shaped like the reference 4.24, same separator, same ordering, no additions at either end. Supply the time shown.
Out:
10.00
